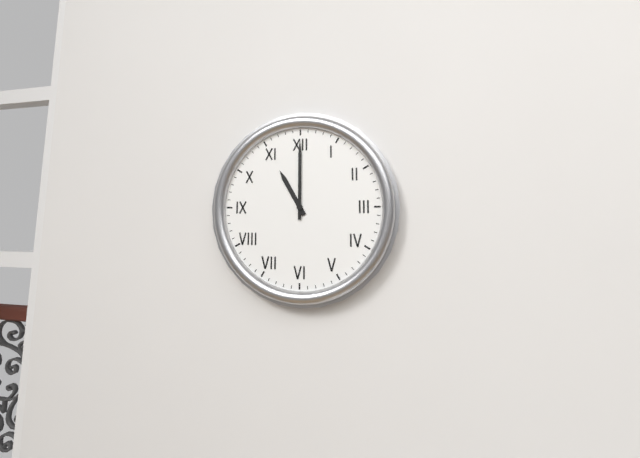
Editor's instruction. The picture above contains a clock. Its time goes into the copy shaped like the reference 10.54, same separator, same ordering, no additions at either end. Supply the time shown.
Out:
11.00
